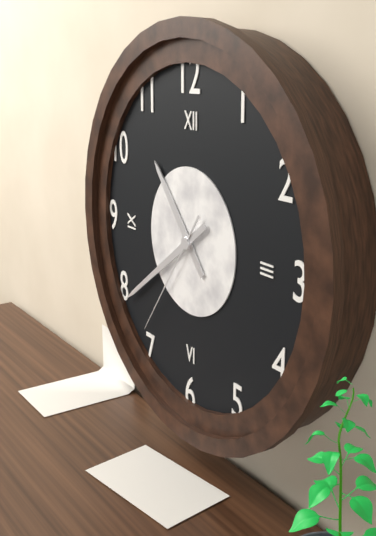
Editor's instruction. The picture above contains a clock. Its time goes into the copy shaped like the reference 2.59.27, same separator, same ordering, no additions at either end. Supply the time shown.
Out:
10.39.36
